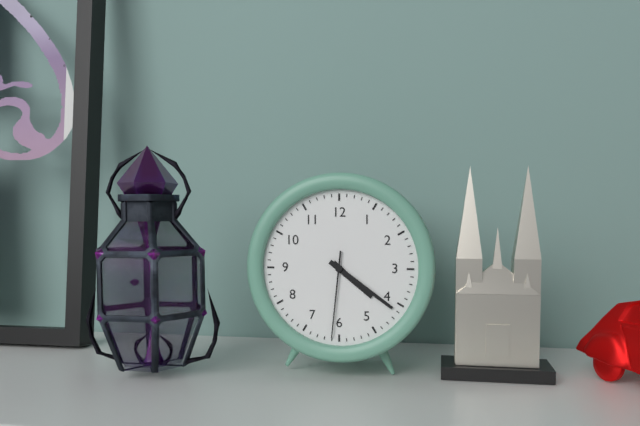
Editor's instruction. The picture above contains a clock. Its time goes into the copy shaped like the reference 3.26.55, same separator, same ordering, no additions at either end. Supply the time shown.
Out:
4.21.31
